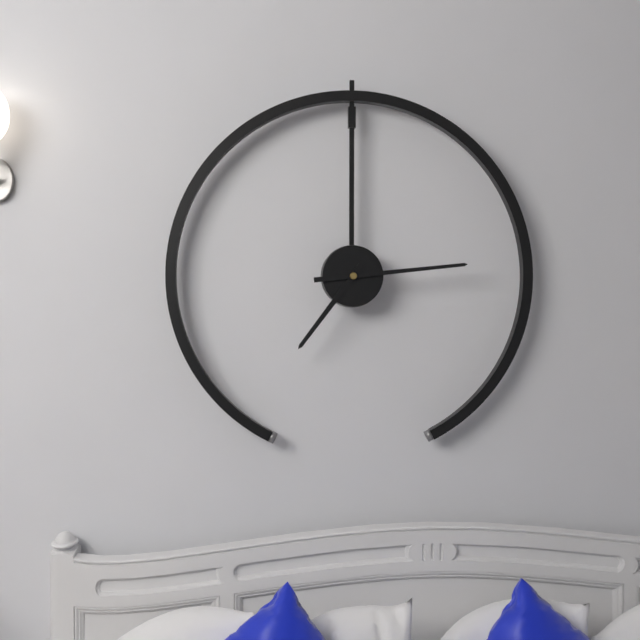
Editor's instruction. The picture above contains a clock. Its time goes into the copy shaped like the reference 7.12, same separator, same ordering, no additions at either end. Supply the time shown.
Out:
7.14
